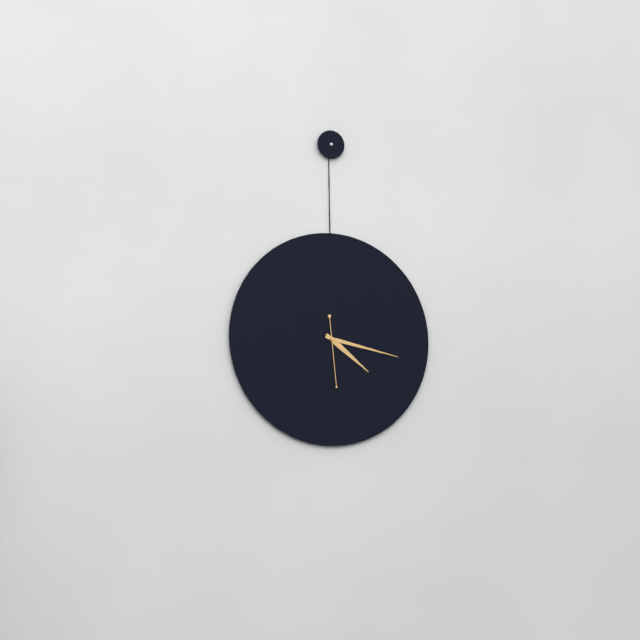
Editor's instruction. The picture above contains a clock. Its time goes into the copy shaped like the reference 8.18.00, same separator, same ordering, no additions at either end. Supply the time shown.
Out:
4.17.29
